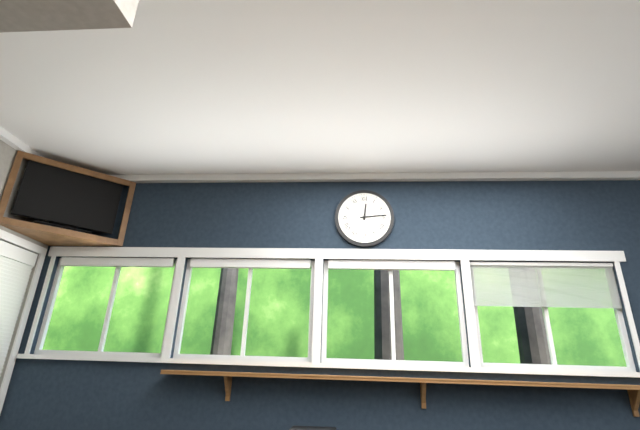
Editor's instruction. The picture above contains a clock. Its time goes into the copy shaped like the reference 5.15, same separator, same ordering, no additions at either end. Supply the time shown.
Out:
12.14
